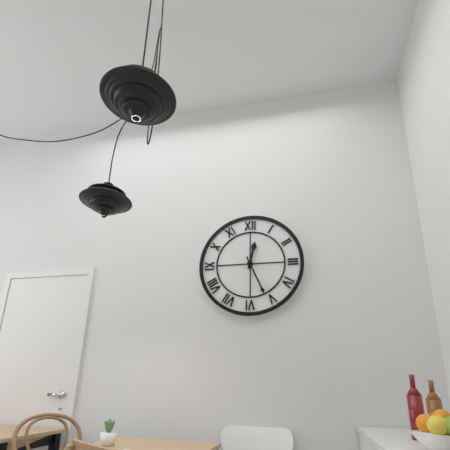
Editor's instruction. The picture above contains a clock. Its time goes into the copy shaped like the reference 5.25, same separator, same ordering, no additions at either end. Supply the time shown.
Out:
12.26
